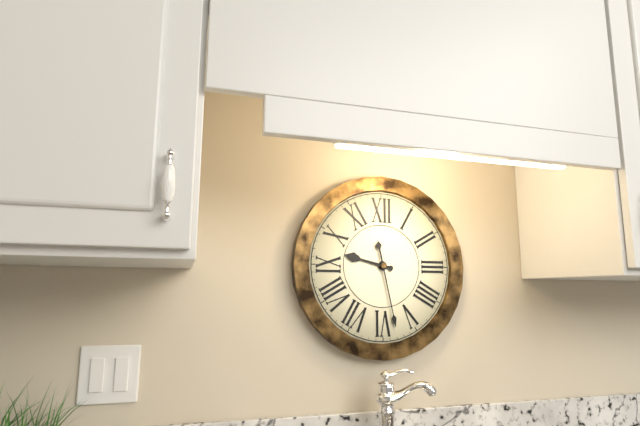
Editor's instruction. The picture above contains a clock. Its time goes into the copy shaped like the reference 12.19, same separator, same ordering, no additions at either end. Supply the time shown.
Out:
9.28
